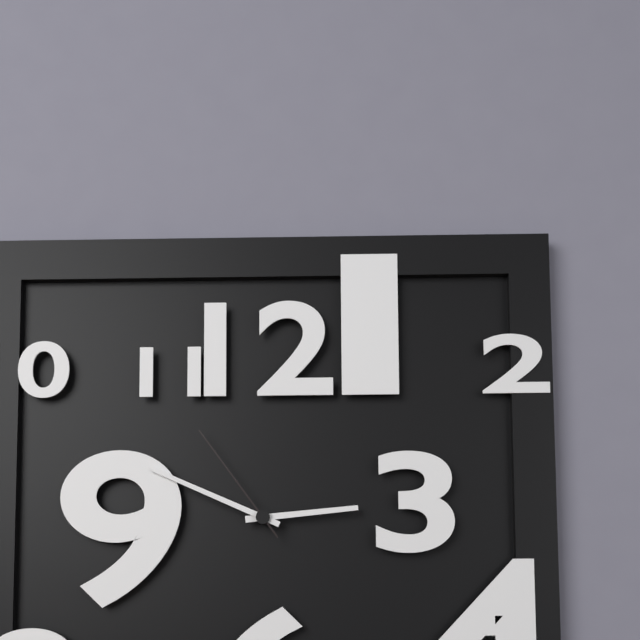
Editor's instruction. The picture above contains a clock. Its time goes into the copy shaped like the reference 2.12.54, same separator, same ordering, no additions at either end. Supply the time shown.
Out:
2.49.54
